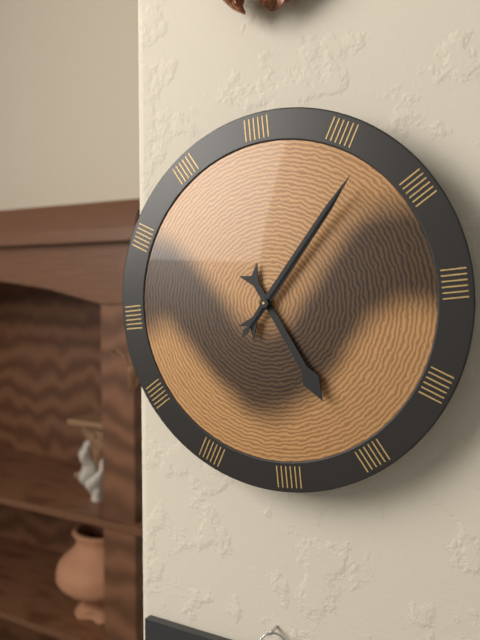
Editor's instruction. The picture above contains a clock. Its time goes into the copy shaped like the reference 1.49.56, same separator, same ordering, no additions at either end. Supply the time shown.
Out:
5.07.07
